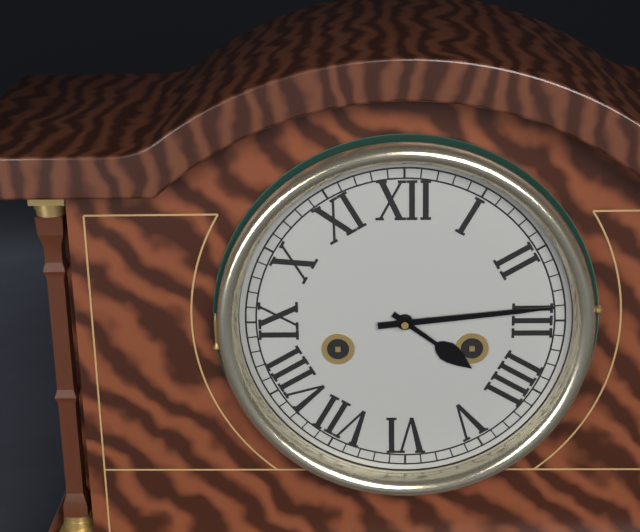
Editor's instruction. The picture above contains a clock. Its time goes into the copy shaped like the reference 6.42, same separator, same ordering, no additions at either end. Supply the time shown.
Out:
4.14
